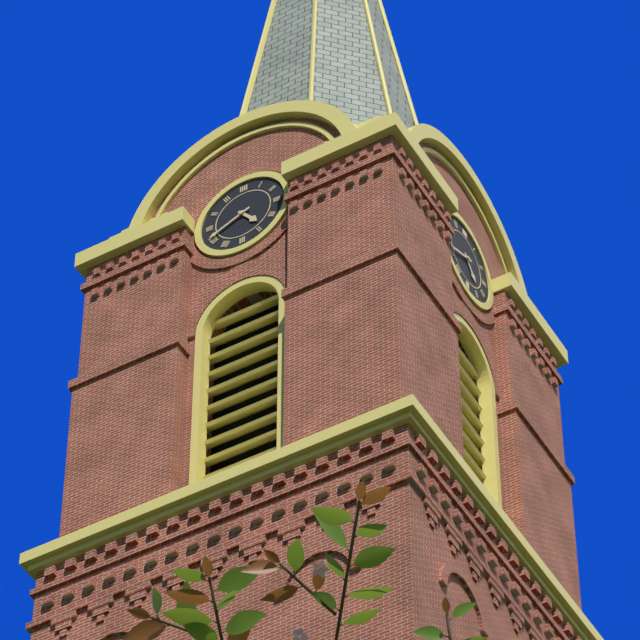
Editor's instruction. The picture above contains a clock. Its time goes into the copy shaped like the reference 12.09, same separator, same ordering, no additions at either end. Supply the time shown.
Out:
4.41
